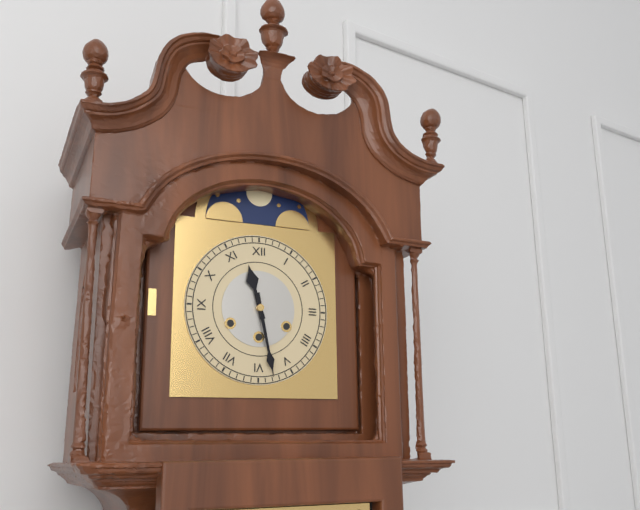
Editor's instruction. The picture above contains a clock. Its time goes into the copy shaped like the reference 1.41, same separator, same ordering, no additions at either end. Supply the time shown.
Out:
11.28
